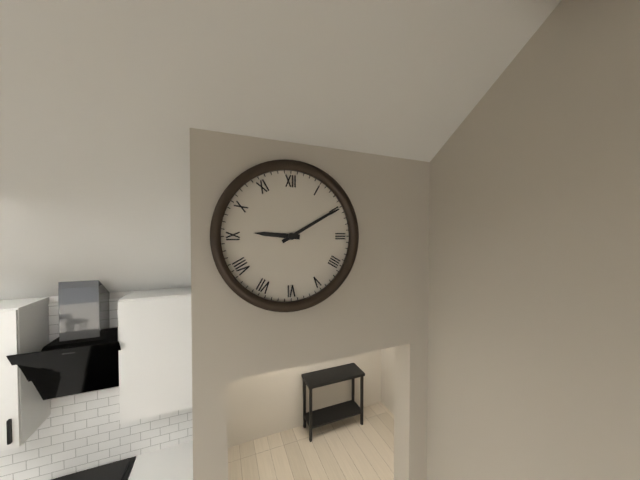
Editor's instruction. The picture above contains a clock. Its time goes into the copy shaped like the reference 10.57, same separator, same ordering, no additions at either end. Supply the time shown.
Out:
9.10
